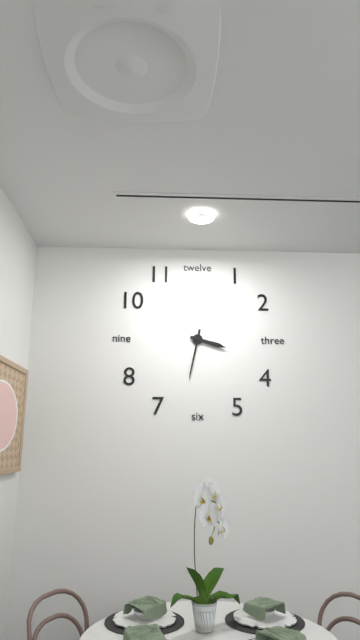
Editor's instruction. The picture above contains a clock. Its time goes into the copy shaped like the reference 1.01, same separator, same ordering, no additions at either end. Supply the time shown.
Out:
3.32
